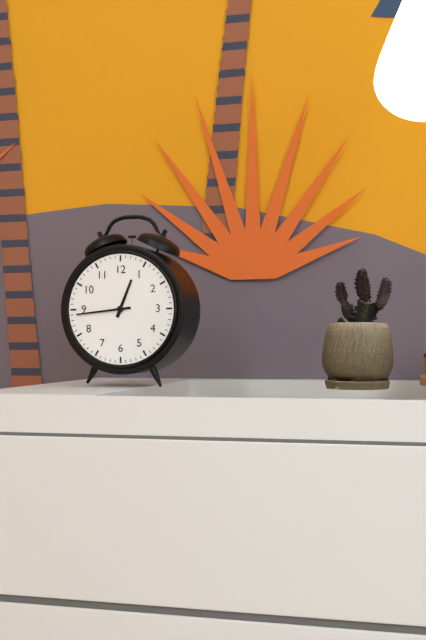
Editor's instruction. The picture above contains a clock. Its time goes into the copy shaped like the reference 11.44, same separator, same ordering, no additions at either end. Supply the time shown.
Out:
12.44
